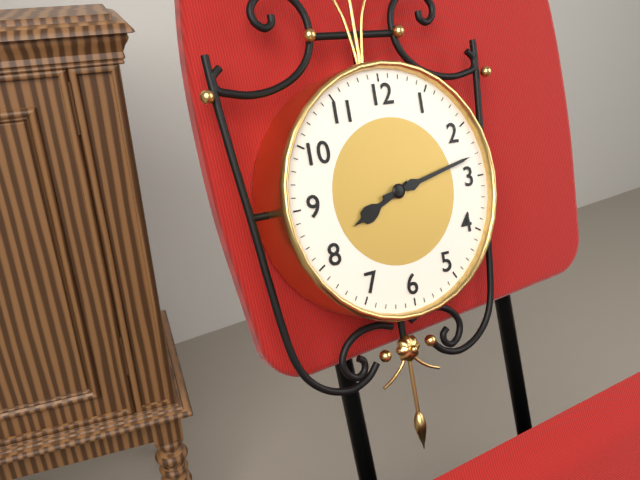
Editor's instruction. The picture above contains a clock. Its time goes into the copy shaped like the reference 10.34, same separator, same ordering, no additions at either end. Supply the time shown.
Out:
8.13
